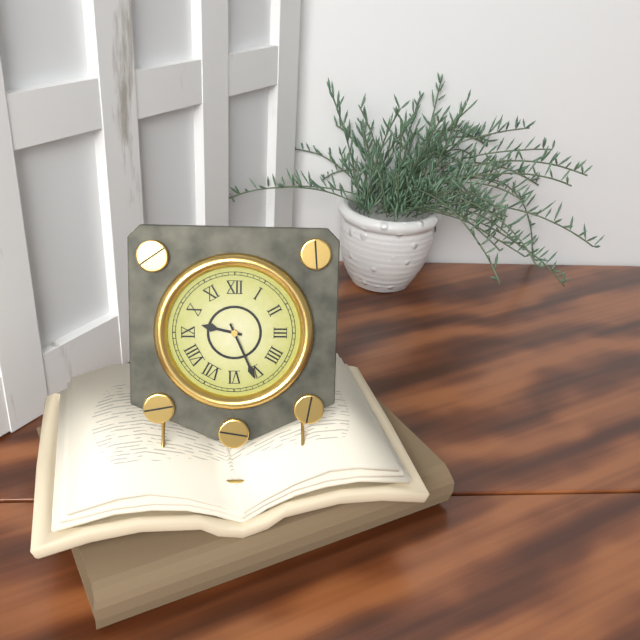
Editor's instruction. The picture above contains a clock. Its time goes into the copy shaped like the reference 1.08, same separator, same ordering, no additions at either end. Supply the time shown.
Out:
9.26
